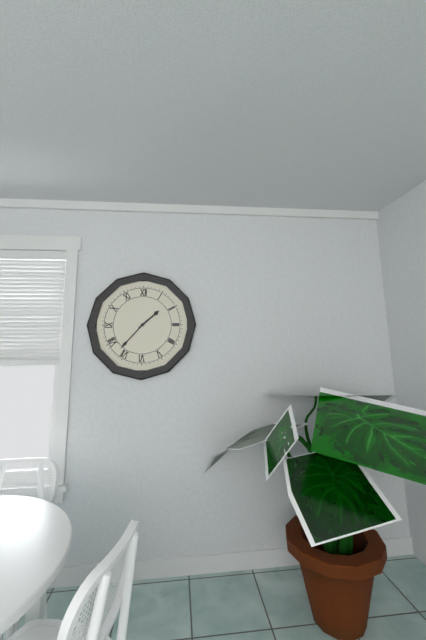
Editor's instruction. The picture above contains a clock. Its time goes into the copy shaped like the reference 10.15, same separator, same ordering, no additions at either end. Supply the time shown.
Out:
1.37
